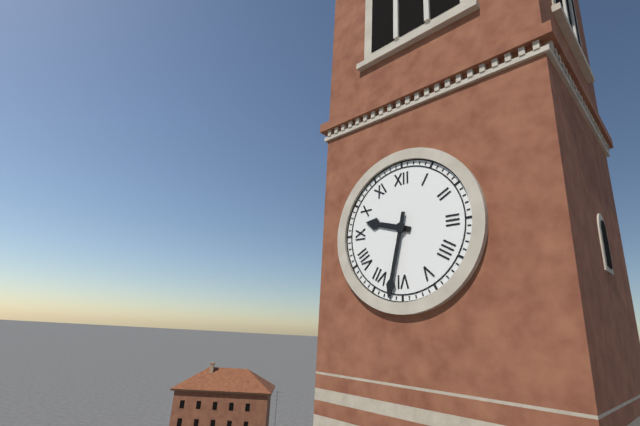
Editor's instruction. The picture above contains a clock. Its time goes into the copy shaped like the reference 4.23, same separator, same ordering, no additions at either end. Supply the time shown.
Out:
9.32
